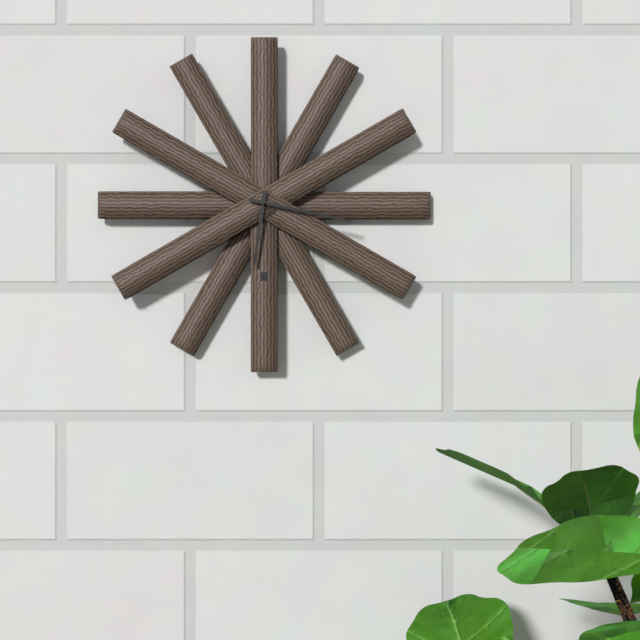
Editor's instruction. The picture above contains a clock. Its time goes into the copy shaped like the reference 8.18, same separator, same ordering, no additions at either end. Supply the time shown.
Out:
6.17
